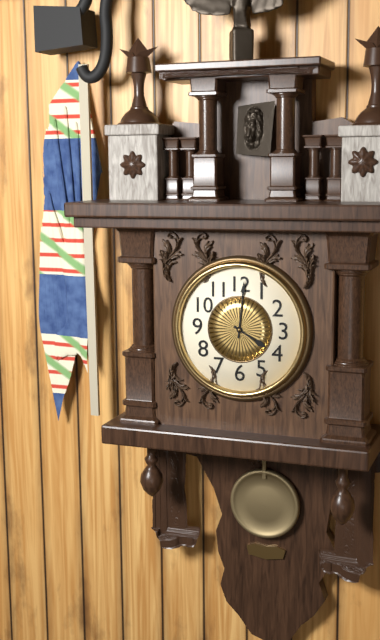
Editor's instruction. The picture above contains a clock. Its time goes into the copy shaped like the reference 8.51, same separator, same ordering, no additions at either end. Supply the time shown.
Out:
4.01
